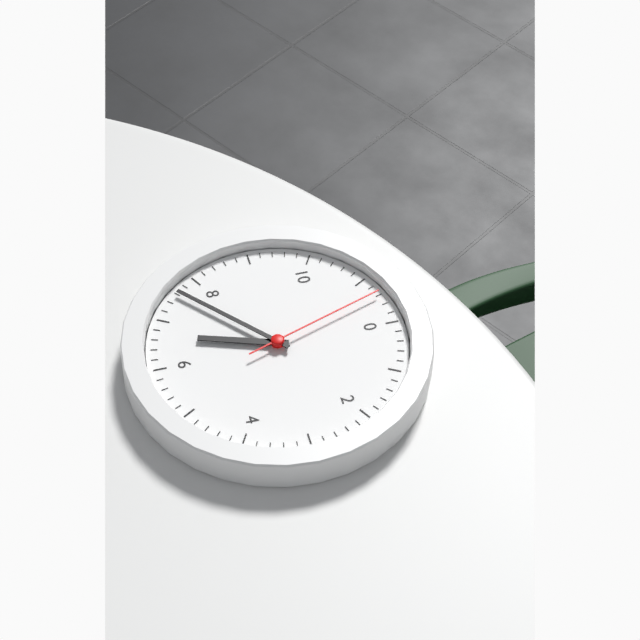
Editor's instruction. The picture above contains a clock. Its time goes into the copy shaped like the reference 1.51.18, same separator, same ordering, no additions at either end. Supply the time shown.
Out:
6.38.57
